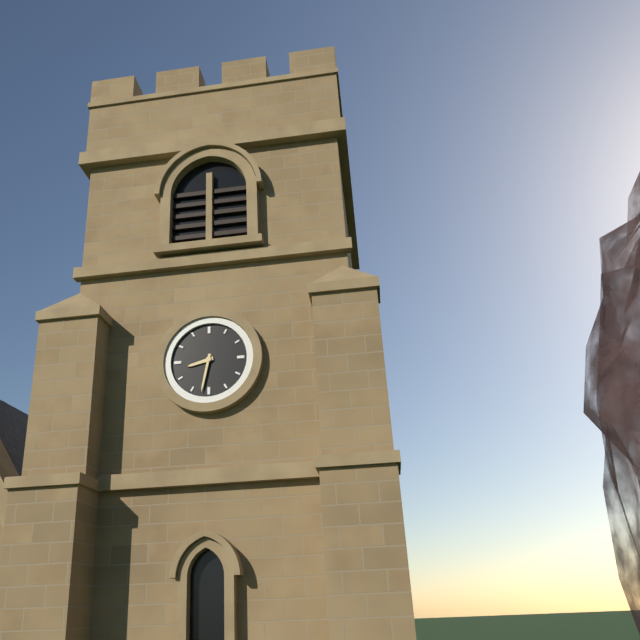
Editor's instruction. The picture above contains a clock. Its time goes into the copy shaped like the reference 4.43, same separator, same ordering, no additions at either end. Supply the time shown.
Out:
8.32
